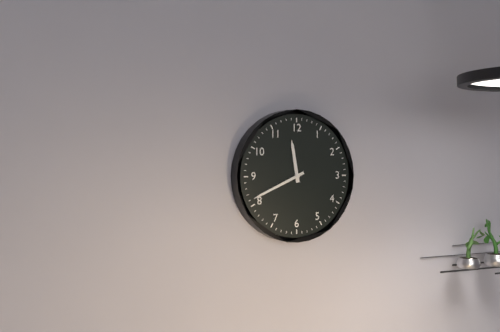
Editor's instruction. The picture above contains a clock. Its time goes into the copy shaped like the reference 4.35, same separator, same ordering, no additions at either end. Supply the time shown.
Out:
11.41
